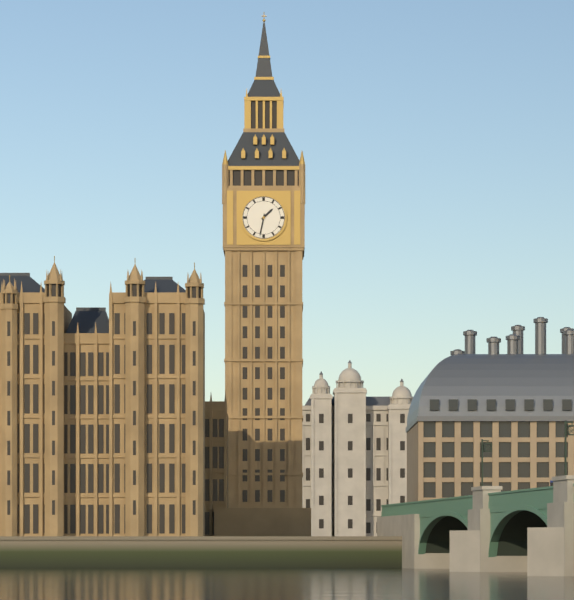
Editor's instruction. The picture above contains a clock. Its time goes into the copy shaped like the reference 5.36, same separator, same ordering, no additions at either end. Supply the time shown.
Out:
1.32
